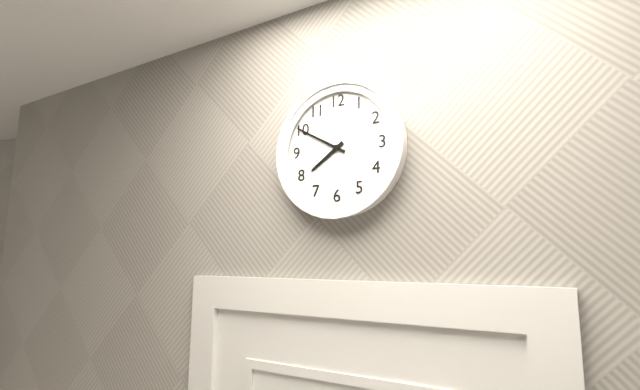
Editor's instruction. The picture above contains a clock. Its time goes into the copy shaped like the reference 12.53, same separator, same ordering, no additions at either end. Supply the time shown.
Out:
7.50
